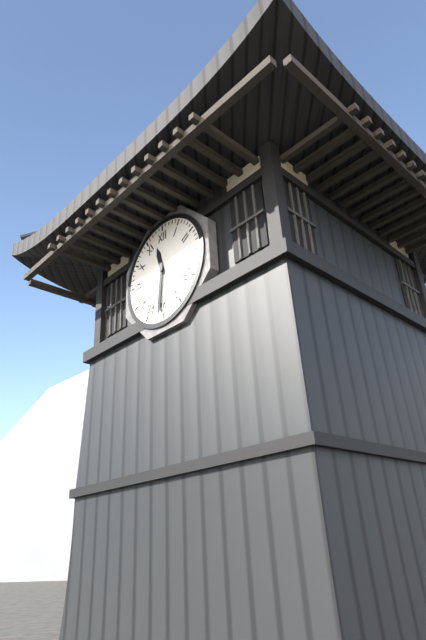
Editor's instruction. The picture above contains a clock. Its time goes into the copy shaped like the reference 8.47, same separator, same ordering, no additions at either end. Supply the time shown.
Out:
11.31
